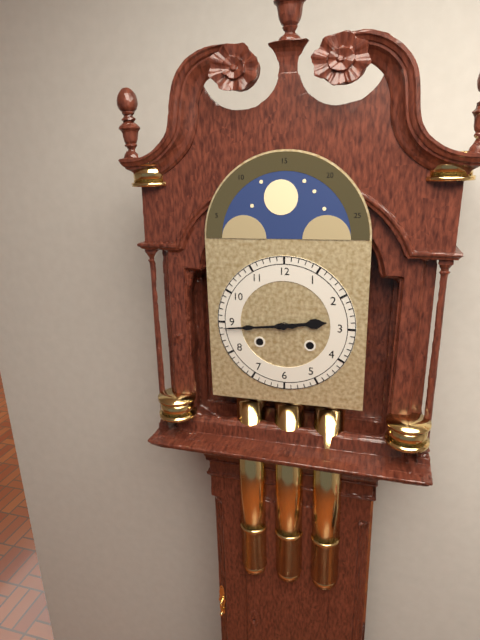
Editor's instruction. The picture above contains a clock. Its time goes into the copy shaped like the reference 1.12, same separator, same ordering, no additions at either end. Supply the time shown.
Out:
2.44
